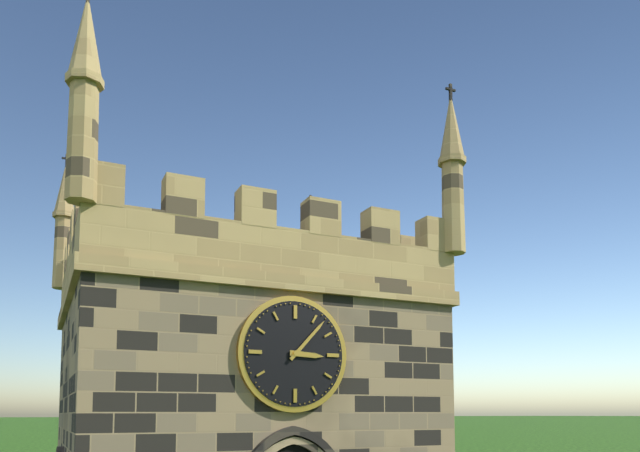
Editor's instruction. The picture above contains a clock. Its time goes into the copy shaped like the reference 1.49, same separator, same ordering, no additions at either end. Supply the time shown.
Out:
3.07
